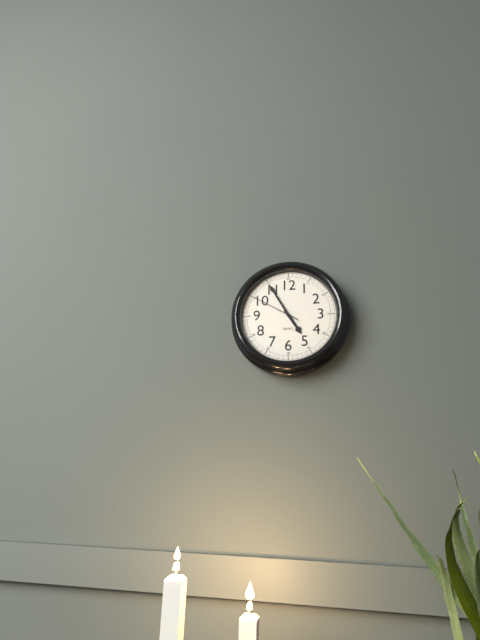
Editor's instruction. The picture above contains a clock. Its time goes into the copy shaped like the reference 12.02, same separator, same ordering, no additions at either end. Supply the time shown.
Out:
4.55
